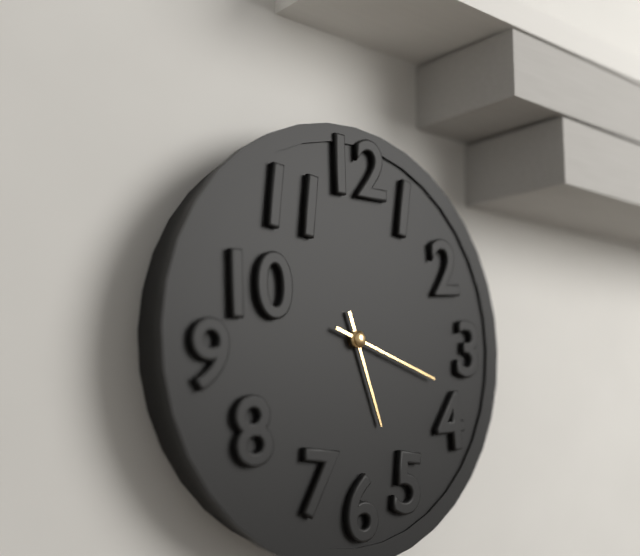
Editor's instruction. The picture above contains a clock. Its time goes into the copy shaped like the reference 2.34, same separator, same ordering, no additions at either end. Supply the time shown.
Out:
5.18
